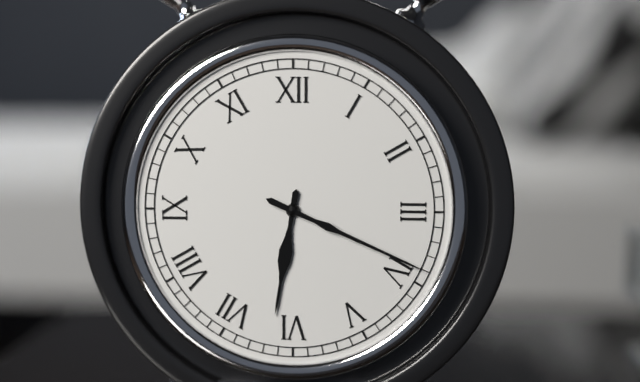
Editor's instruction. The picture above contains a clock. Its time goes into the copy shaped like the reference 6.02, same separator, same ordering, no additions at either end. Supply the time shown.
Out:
6.19
